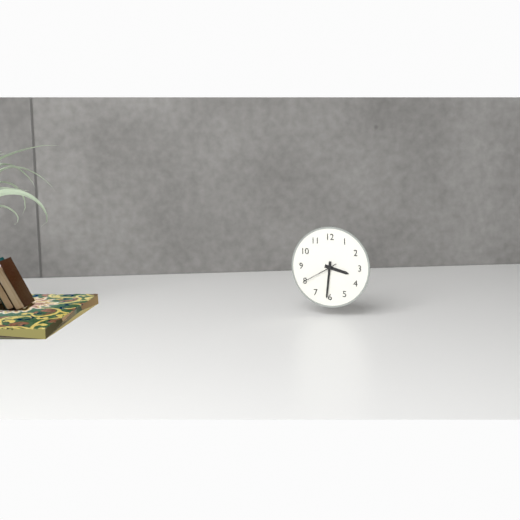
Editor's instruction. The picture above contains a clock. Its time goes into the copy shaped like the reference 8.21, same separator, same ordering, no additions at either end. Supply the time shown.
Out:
3.31
